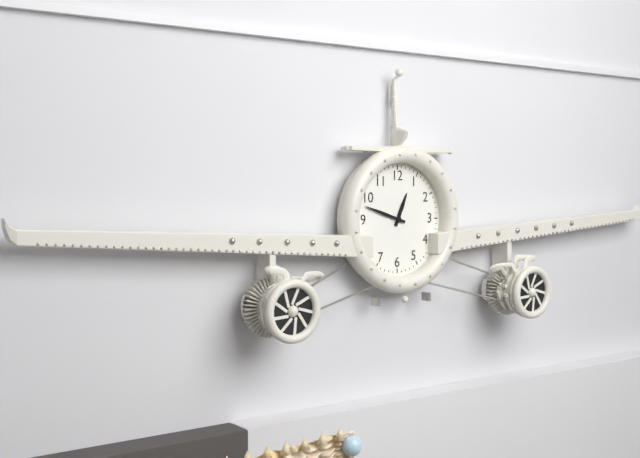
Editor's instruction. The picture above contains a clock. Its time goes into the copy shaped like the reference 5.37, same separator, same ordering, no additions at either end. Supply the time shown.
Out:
12.48
